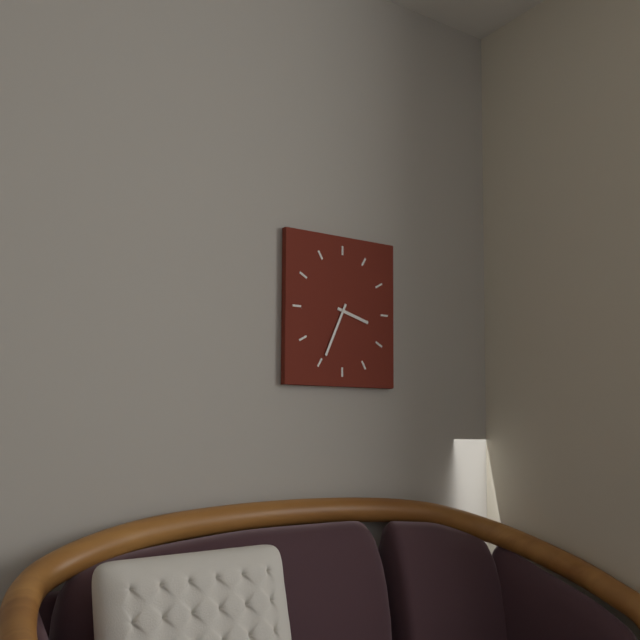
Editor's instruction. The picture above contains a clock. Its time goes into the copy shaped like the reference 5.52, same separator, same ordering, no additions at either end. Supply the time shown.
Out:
3.34
